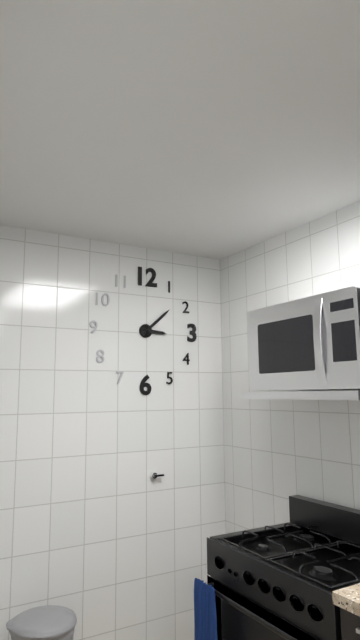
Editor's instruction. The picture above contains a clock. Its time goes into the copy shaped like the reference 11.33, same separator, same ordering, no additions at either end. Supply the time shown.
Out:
3.08
